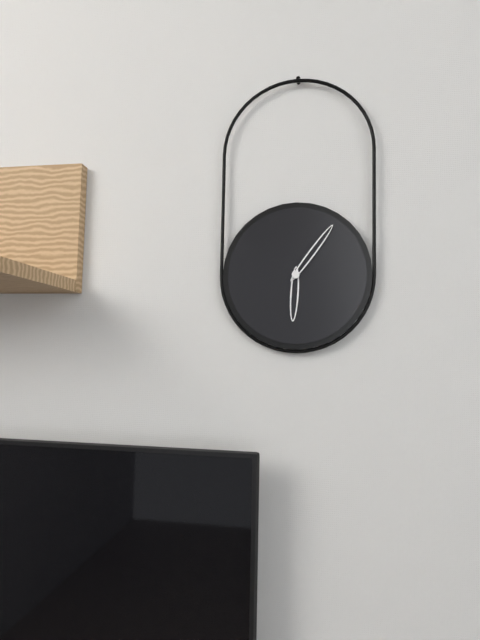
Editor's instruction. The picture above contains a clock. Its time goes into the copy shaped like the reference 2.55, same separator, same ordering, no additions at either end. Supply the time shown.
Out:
6.06
